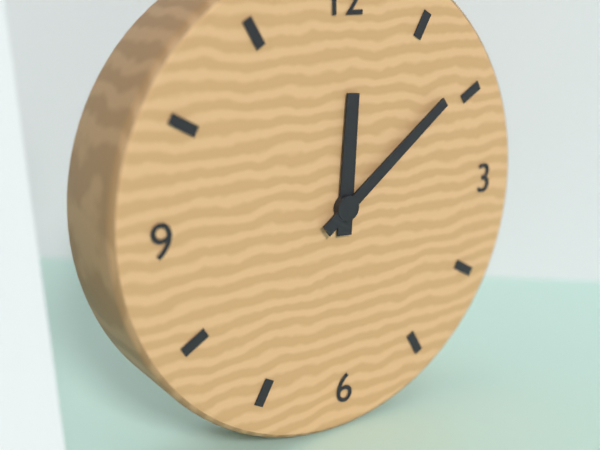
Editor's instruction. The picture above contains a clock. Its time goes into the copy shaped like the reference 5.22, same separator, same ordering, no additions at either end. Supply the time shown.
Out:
12.09
